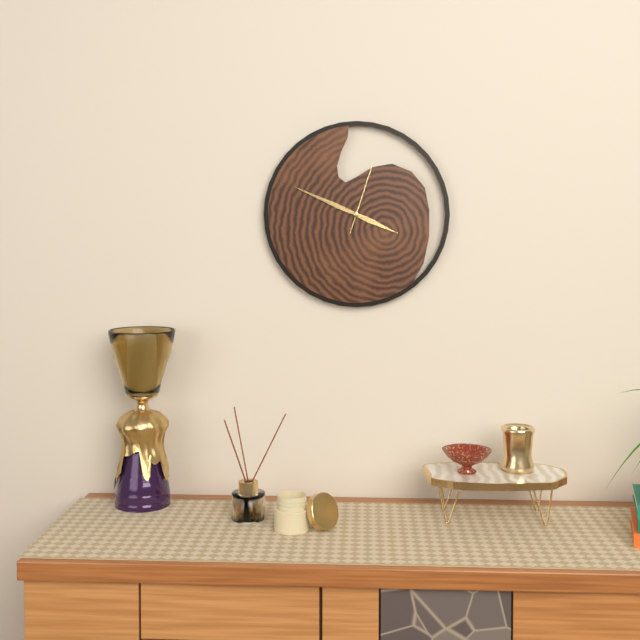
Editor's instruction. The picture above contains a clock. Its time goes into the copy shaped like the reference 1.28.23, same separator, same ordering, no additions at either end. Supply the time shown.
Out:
3.49.03
